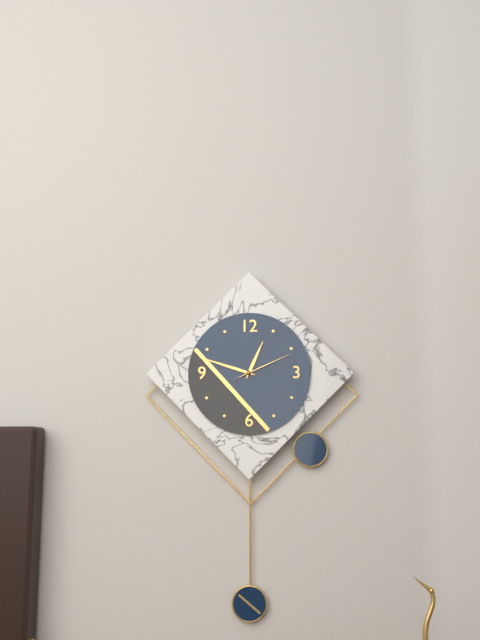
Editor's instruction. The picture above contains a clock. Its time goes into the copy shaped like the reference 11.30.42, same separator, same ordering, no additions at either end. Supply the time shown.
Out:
12.48.11
